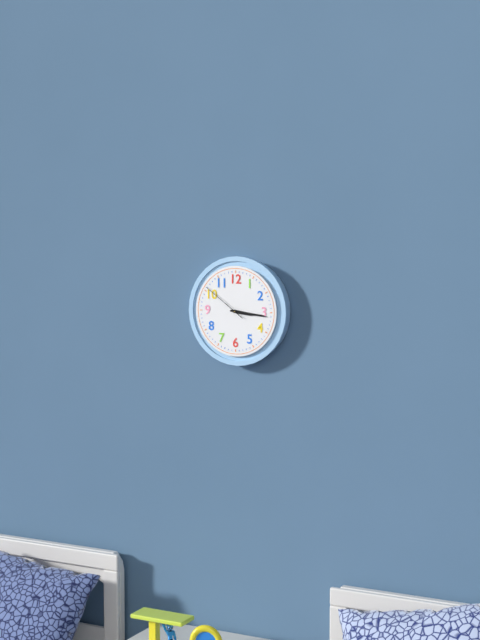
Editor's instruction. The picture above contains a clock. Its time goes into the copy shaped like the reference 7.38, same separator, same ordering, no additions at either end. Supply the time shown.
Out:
3.16
